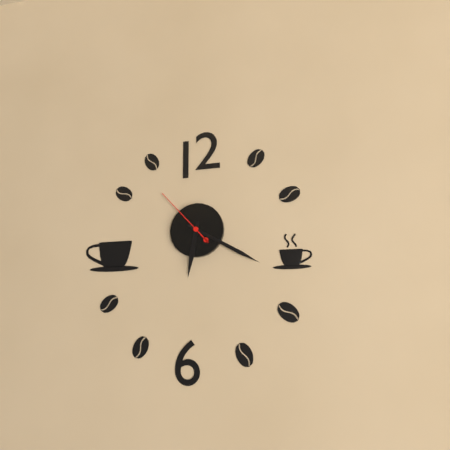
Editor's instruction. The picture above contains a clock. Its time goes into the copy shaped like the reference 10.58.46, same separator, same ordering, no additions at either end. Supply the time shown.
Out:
6.20.53
